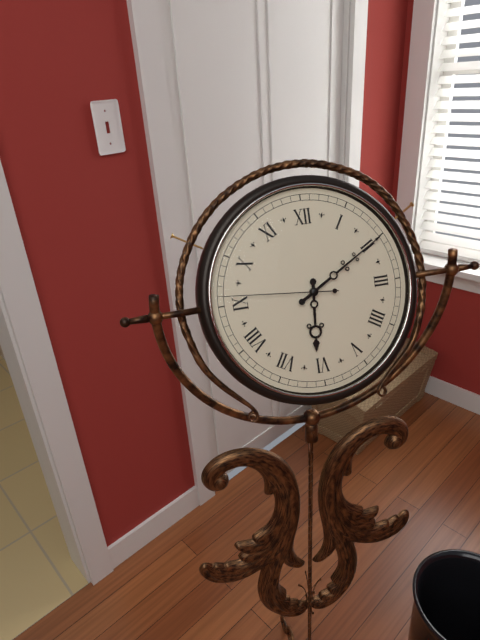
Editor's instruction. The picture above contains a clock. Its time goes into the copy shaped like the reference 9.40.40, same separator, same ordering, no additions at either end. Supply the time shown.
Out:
6.10.46
